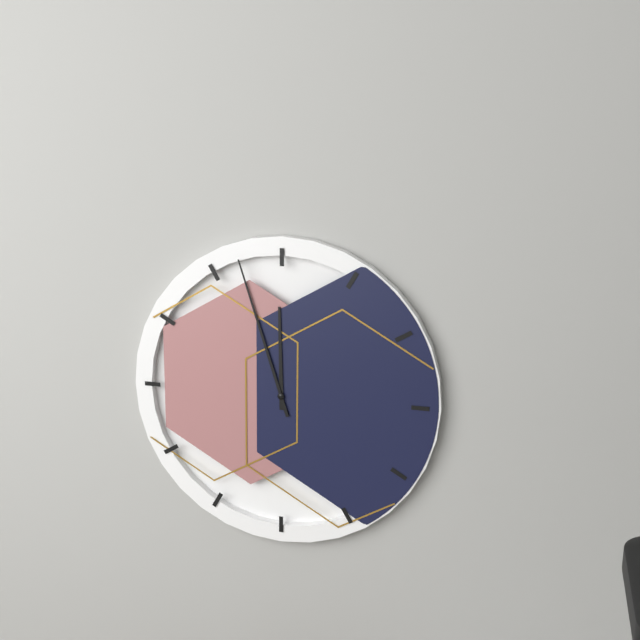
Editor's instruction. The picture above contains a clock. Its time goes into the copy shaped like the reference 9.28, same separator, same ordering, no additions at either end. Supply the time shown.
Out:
11.57
